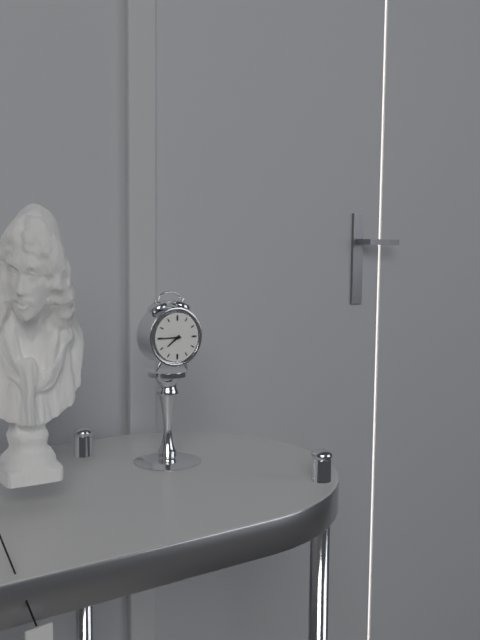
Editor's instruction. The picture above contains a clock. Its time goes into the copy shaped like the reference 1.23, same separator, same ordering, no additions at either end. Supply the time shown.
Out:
7.45
